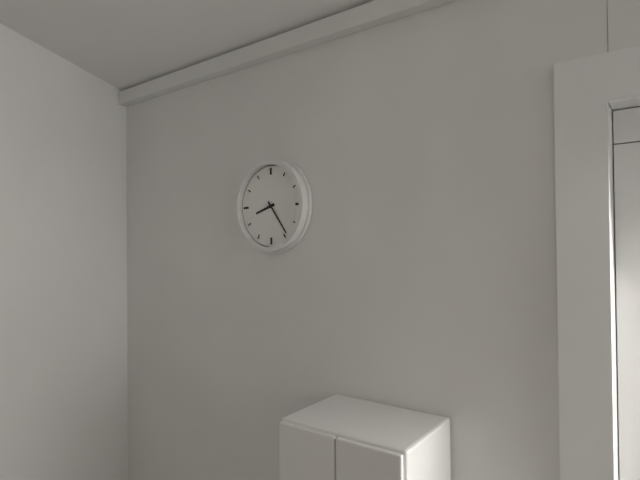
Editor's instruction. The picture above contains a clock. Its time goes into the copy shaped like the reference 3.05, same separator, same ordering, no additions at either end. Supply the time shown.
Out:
8.24
